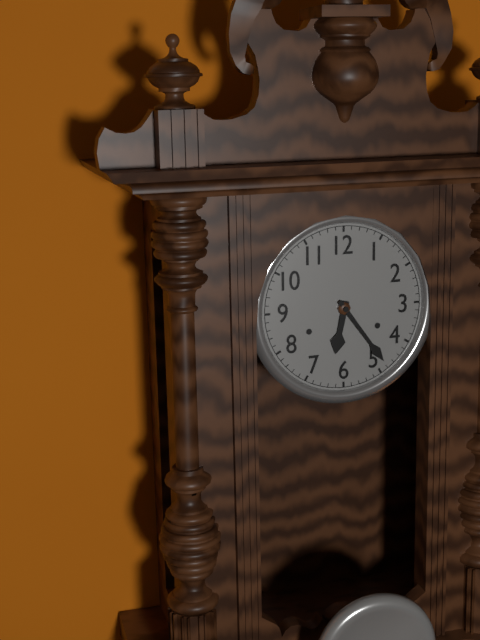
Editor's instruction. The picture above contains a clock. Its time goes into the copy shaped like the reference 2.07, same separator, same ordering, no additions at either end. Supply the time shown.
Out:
6.24
